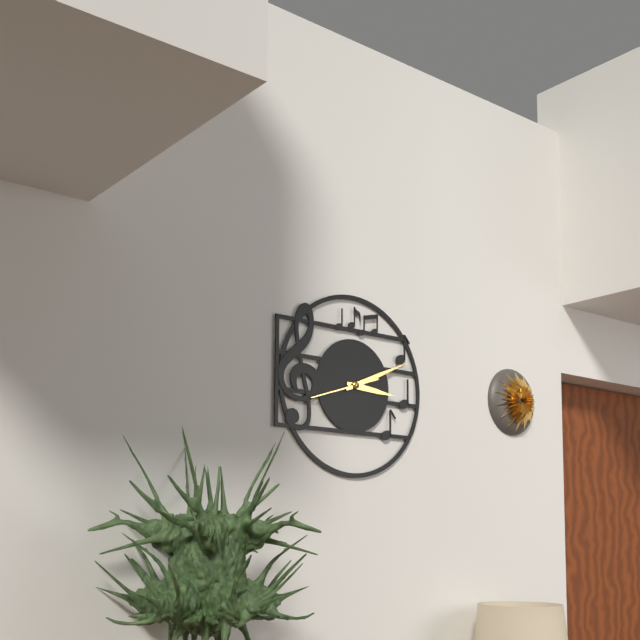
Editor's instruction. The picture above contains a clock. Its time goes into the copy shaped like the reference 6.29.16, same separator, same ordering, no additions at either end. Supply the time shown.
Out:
3.11.42
